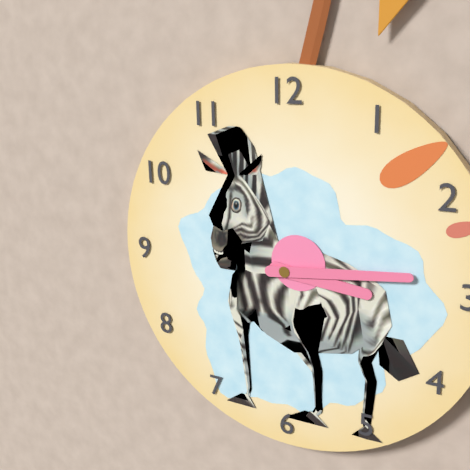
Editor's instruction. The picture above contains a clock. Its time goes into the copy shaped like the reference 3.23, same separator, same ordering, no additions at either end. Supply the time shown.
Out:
3.14
